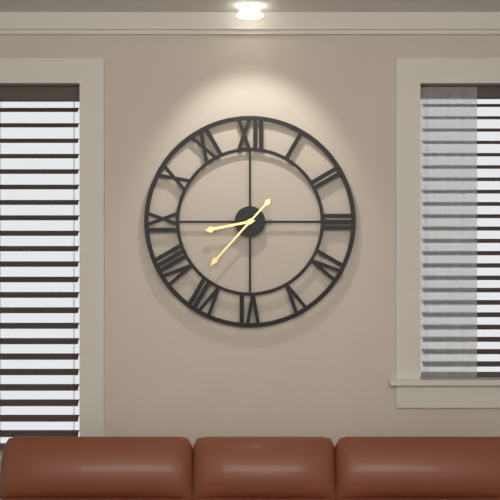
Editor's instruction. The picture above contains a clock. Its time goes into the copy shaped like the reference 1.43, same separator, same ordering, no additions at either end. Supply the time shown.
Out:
8.37
